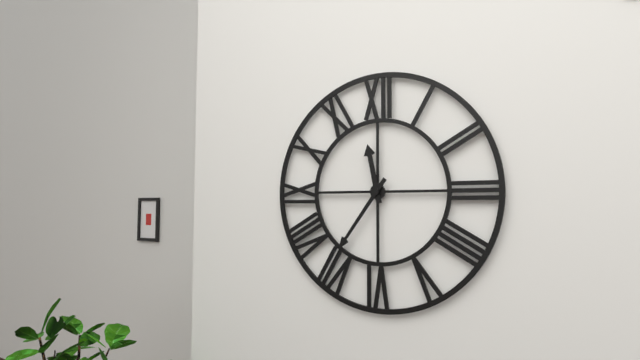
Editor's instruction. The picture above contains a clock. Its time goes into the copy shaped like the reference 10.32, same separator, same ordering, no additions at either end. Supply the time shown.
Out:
11.36
